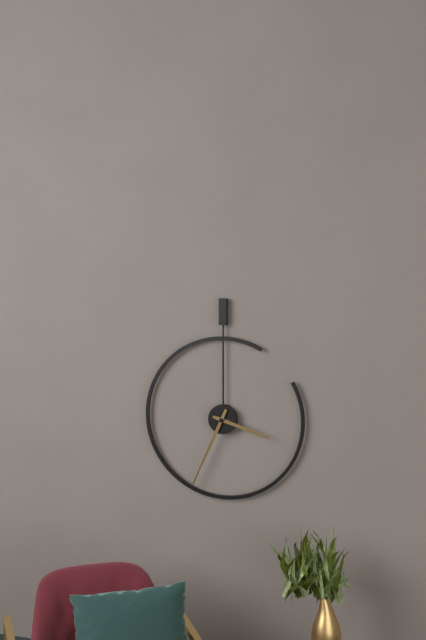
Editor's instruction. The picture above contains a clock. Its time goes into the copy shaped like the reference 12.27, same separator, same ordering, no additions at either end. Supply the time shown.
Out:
3.34
